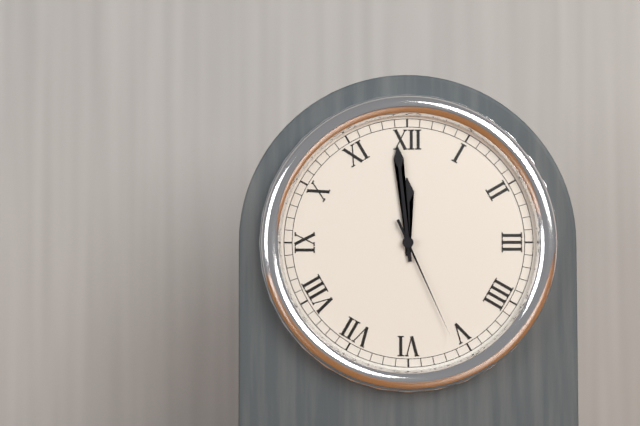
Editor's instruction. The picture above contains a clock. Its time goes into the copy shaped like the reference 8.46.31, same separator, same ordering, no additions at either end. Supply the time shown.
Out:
11.59.26
